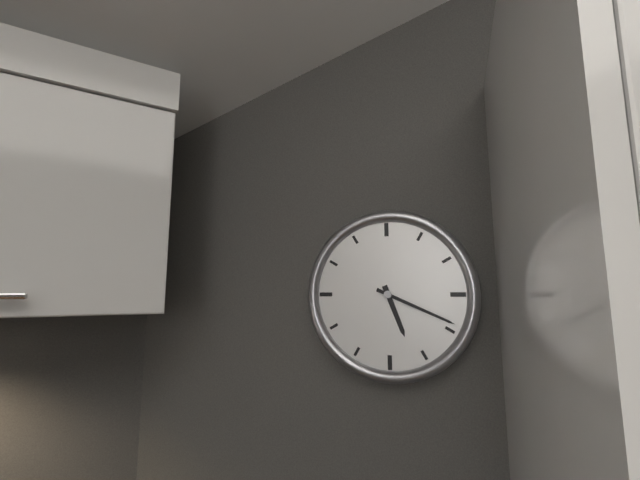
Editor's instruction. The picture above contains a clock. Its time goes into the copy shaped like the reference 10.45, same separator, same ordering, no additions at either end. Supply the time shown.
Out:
5.19
